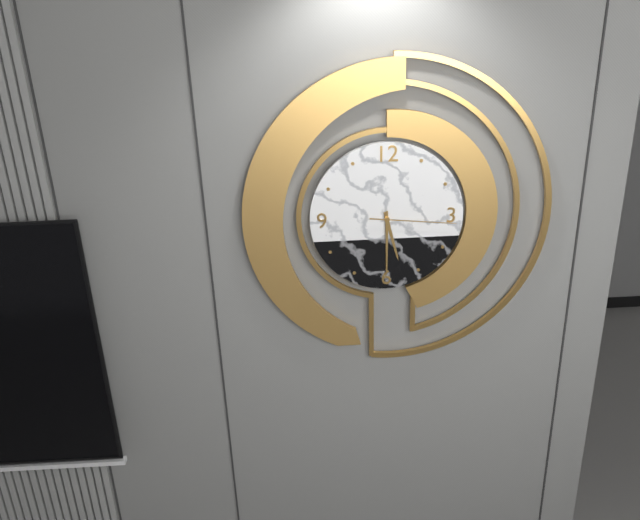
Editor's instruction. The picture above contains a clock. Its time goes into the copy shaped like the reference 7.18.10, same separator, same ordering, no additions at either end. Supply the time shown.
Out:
5.30.16
